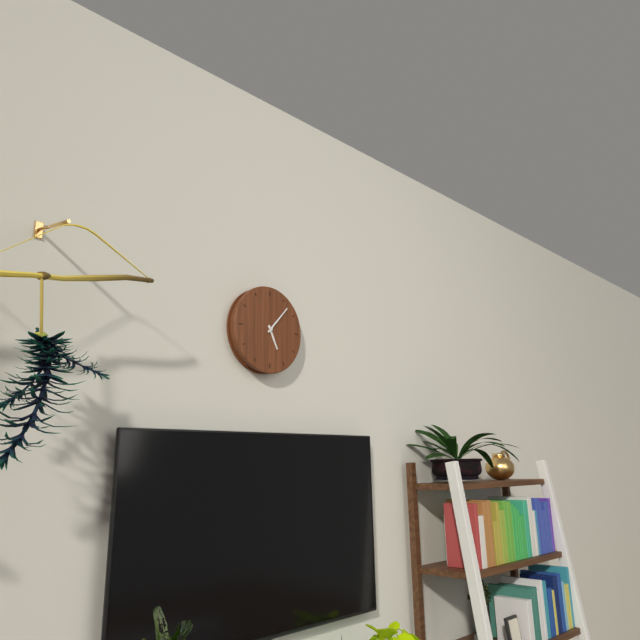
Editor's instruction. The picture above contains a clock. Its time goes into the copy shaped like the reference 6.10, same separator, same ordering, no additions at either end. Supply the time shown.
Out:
5.07
